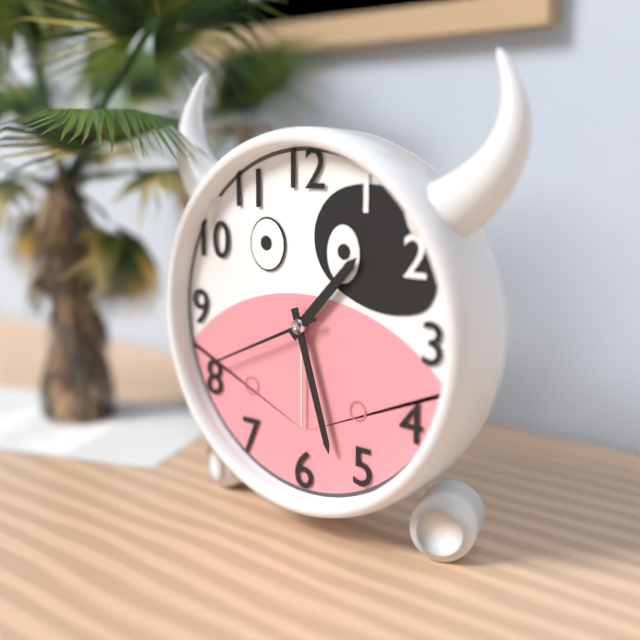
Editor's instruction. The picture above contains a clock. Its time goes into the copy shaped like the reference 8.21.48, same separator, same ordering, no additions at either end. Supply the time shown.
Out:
1.27.41
